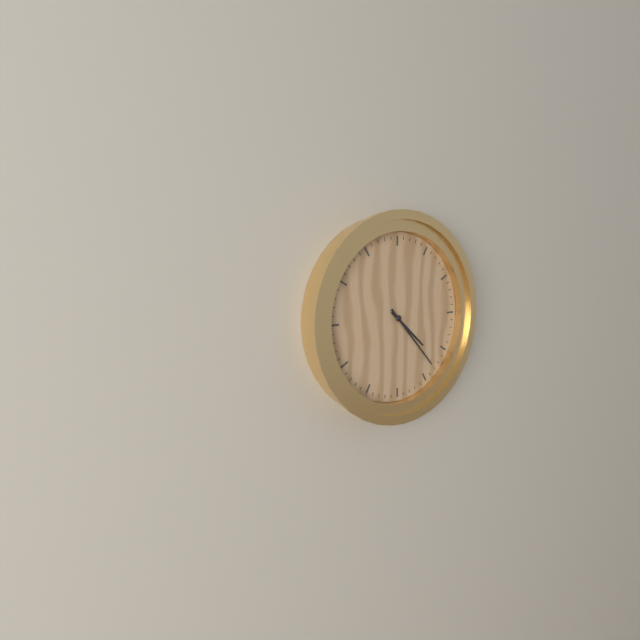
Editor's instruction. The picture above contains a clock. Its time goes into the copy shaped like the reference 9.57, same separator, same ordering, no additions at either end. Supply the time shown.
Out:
4.23
